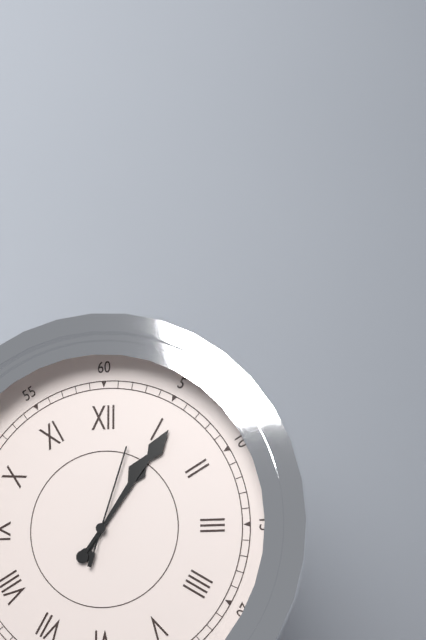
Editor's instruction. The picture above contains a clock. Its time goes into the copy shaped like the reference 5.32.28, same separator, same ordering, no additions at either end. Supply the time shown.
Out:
1.06.03
